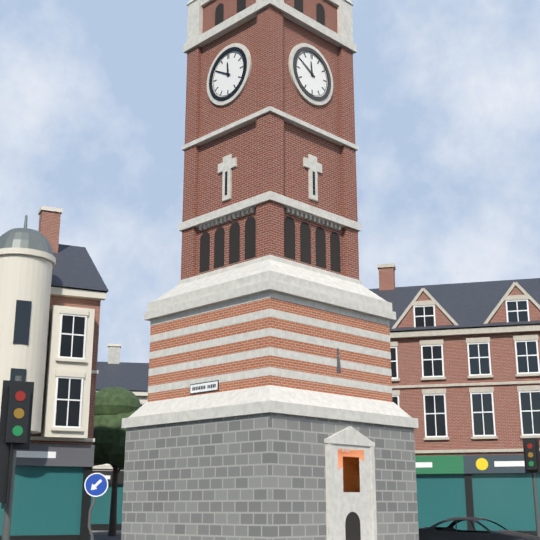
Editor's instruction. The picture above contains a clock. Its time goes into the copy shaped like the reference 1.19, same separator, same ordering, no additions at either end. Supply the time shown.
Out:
11.50
